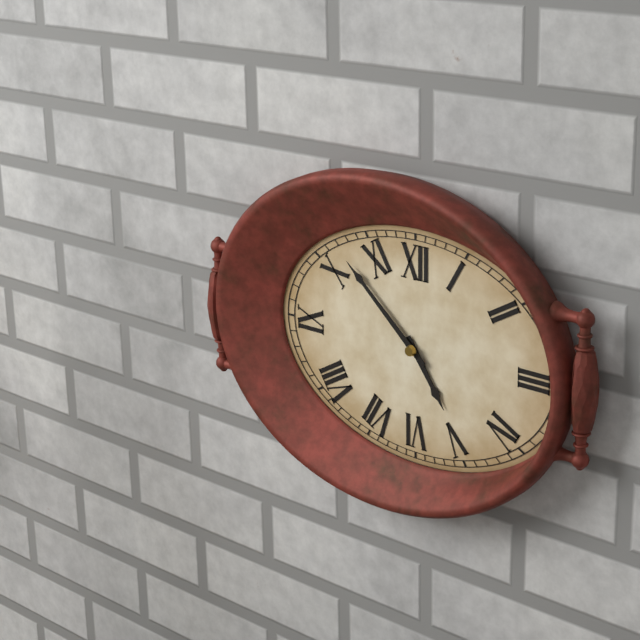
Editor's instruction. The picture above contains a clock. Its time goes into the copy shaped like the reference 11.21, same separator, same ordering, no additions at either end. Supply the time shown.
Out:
4.52
